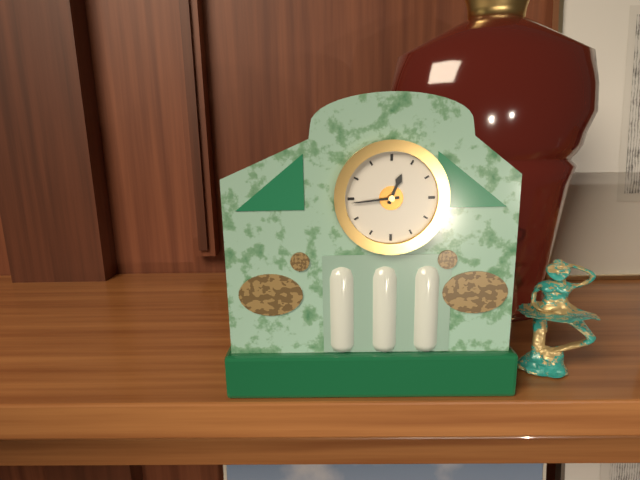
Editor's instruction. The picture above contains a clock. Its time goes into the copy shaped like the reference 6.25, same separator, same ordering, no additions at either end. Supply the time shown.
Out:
12.44
